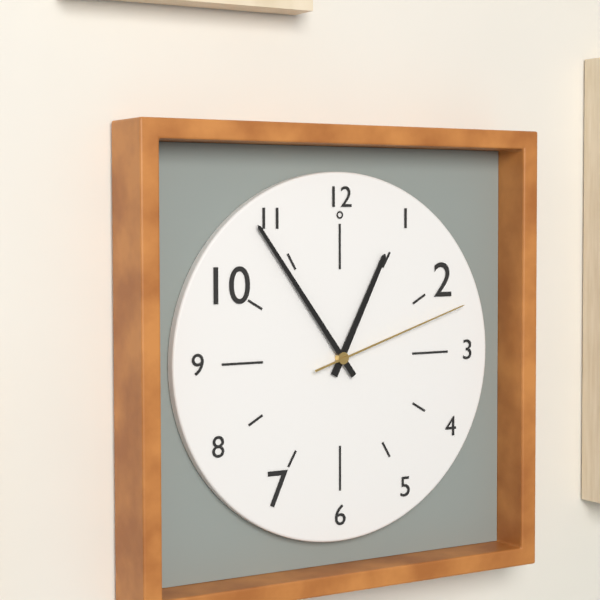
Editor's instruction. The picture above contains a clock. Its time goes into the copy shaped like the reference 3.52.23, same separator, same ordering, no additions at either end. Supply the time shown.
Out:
12.54.12
